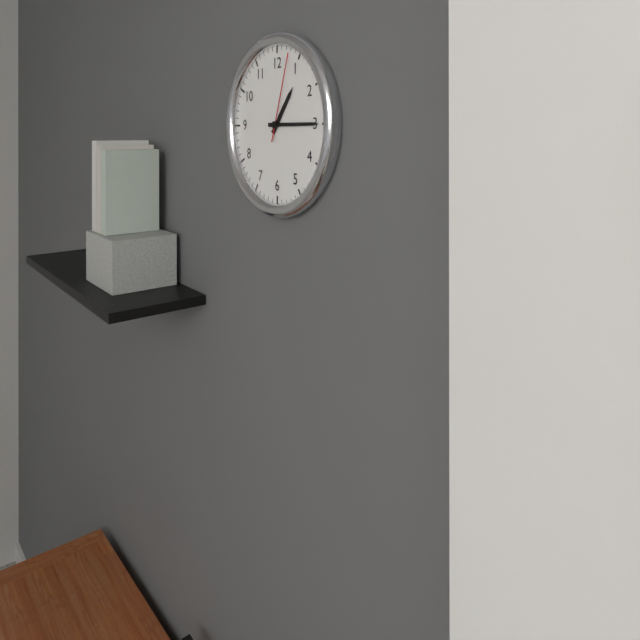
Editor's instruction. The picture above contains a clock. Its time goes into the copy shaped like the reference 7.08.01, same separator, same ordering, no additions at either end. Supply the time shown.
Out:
1.15.03
